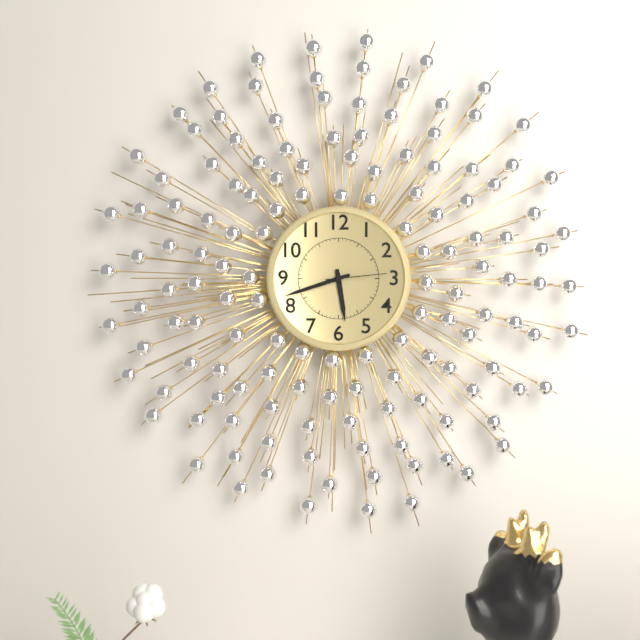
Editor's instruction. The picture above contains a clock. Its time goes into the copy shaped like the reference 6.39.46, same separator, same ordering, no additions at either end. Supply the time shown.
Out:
5.42.14
